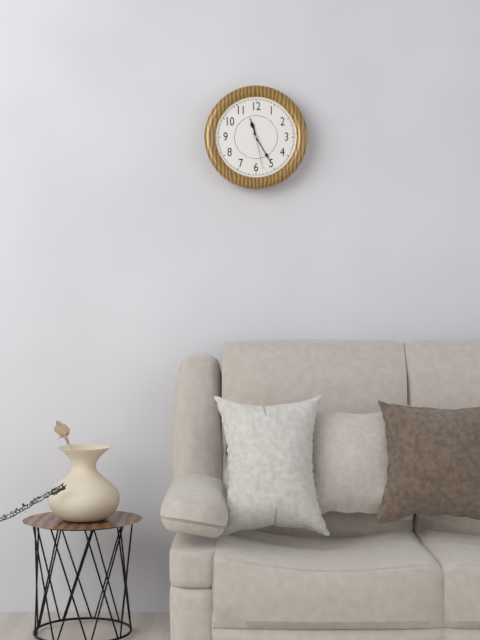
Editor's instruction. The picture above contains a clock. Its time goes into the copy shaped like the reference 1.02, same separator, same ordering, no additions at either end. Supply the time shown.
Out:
11.25
